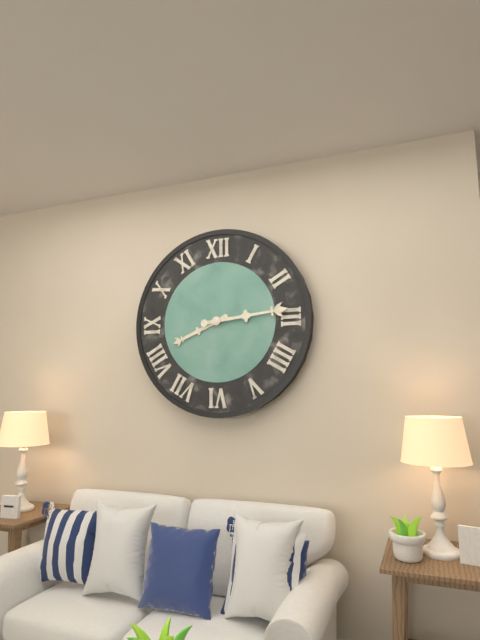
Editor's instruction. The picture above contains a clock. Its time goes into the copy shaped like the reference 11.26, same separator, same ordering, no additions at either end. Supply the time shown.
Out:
8.14
